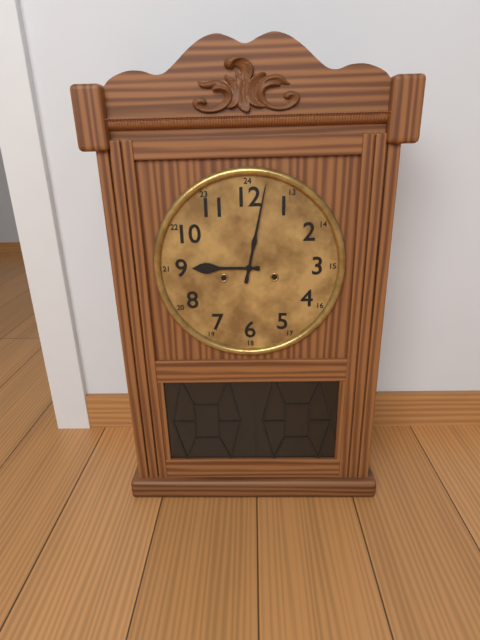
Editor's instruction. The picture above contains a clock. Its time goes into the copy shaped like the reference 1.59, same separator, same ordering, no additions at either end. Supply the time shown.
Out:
9.02
